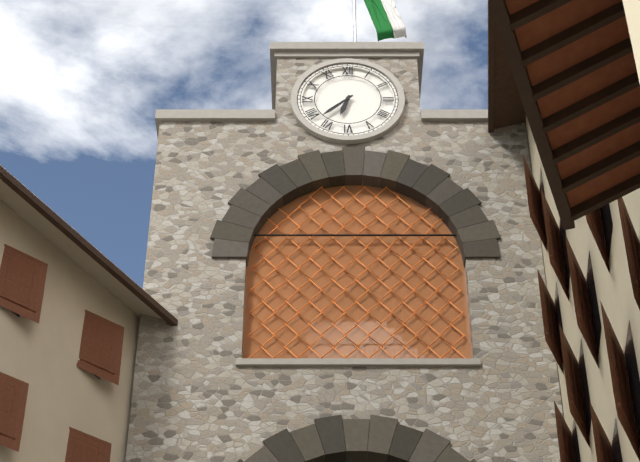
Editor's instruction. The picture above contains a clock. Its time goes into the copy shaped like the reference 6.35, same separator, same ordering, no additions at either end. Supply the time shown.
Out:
6.38
